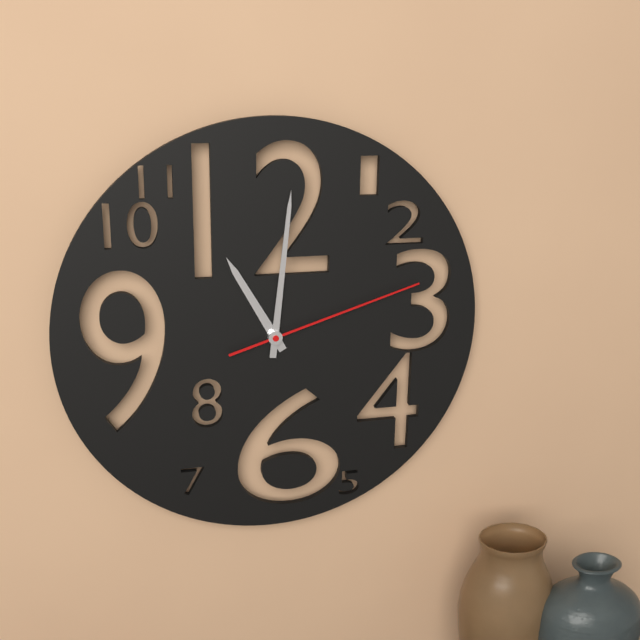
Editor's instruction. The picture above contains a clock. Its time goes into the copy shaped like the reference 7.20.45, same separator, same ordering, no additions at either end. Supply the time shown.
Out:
11.01.12
